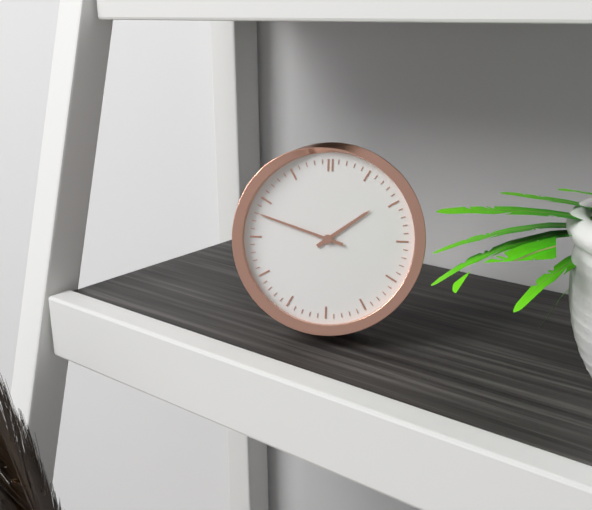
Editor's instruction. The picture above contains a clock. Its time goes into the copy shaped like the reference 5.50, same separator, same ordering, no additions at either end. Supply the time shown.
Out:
1.48
